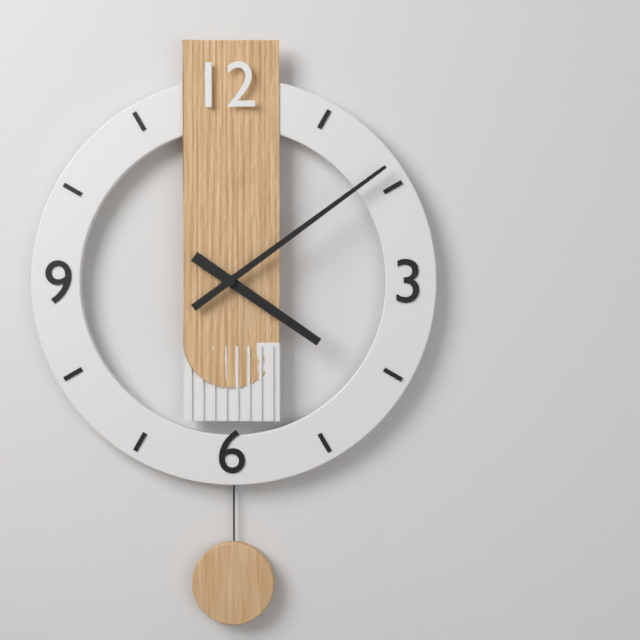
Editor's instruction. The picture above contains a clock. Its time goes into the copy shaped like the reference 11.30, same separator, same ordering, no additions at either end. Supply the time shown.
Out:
4.09
